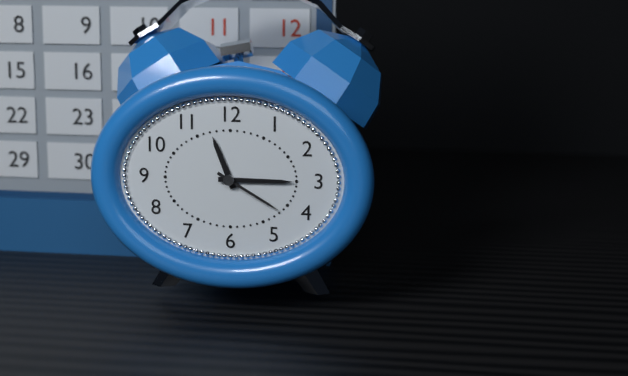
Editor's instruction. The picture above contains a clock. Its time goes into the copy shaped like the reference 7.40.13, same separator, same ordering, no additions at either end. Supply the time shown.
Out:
11.15.20
